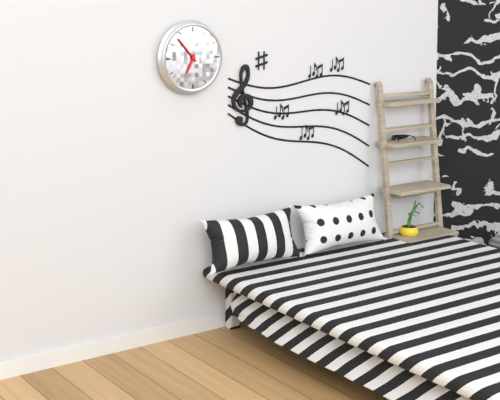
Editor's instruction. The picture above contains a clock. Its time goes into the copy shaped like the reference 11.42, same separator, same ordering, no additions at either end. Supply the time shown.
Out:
6.53
